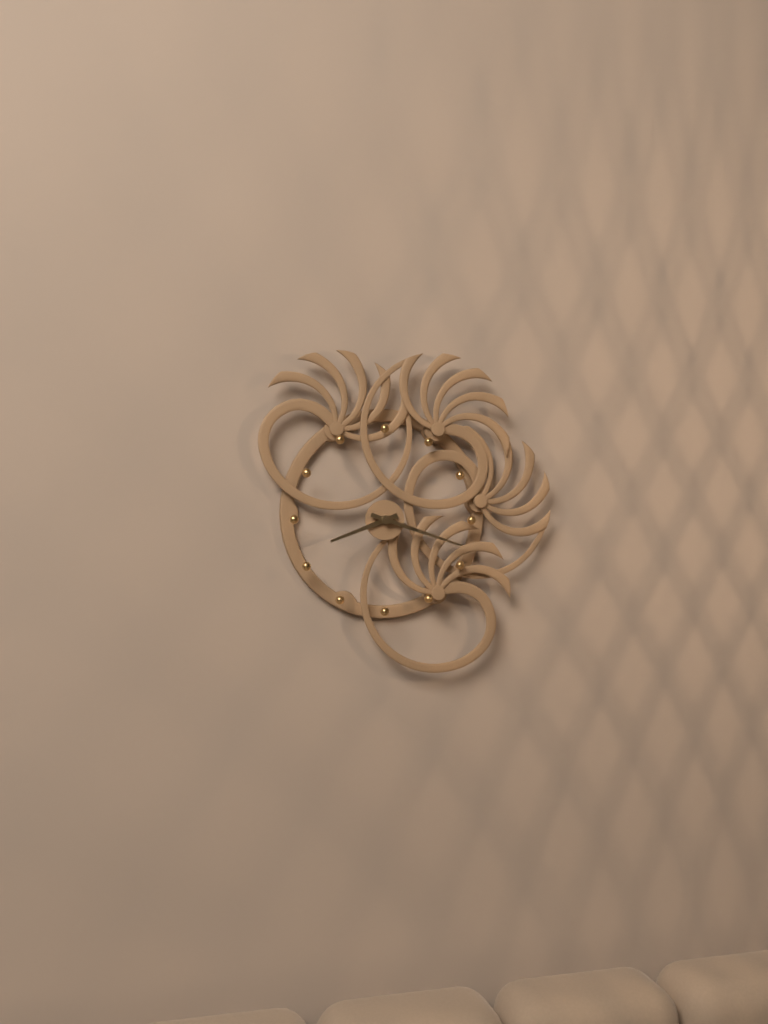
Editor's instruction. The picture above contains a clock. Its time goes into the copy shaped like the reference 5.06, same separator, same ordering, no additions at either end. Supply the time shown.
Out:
8.18
